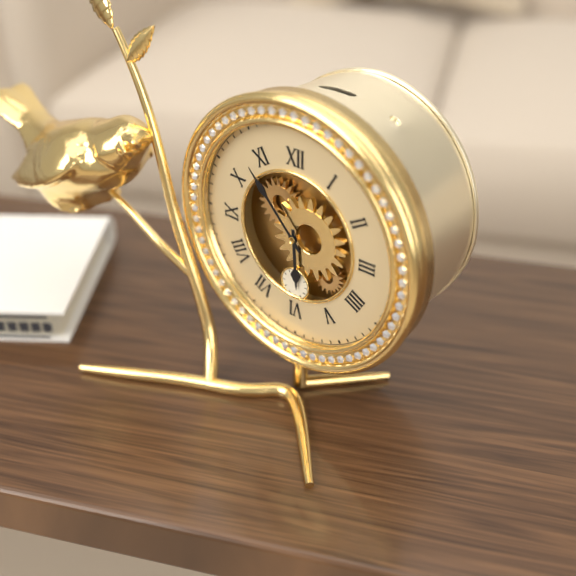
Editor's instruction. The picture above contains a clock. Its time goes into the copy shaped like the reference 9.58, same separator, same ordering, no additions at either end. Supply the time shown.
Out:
5.53
